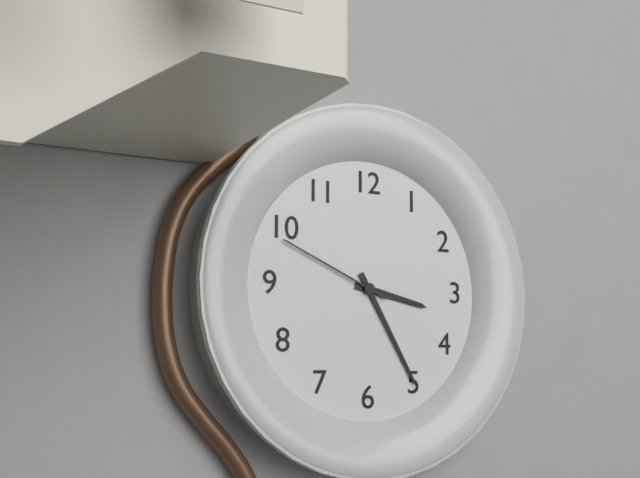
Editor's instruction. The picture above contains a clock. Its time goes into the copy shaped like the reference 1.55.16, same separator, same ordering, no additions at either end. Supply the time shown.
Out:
3.25.49
